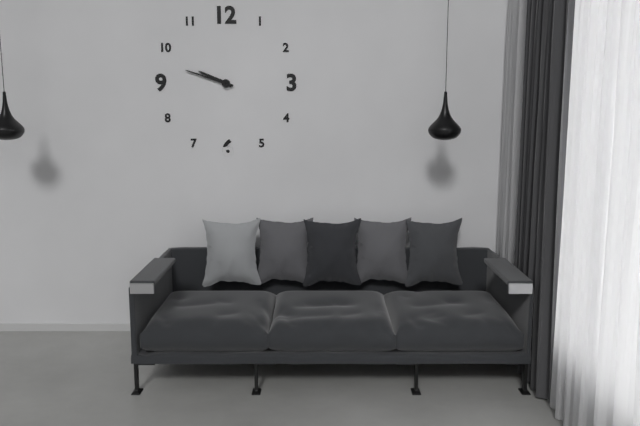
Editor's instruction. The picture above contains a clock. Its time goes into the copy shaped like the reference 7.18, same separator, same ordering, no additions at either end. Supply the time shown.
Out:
9.48
